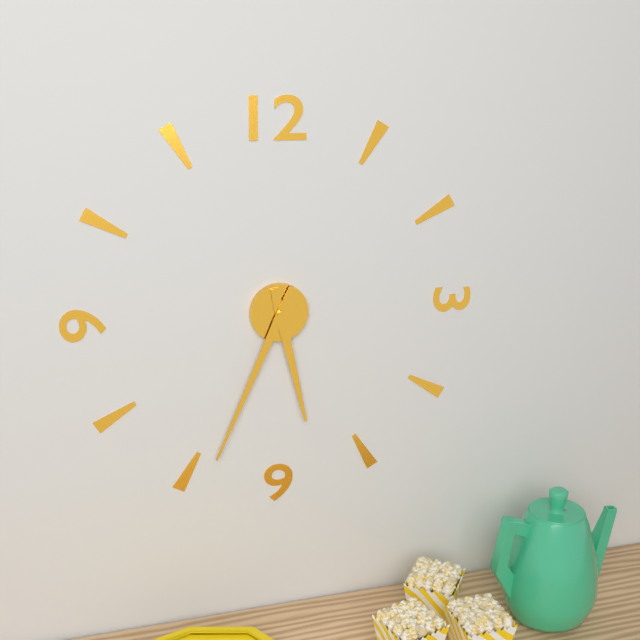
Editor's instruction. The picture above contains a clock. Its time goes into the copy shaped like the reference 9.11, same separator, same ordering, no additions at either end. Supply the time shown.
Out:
5.34
